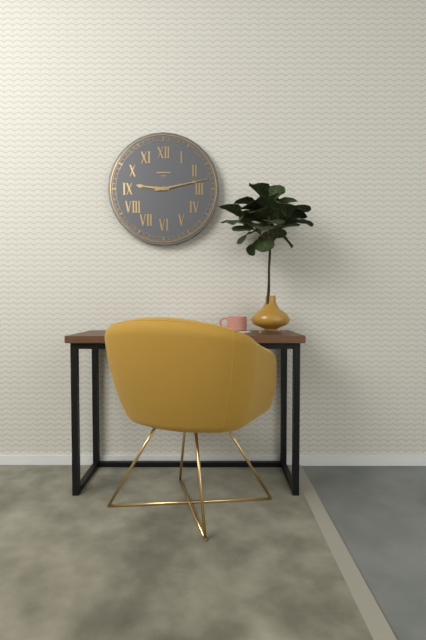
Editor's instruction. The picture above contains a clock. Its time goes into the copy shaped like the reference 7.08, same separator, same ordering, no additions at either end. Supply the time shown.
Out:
9.13
